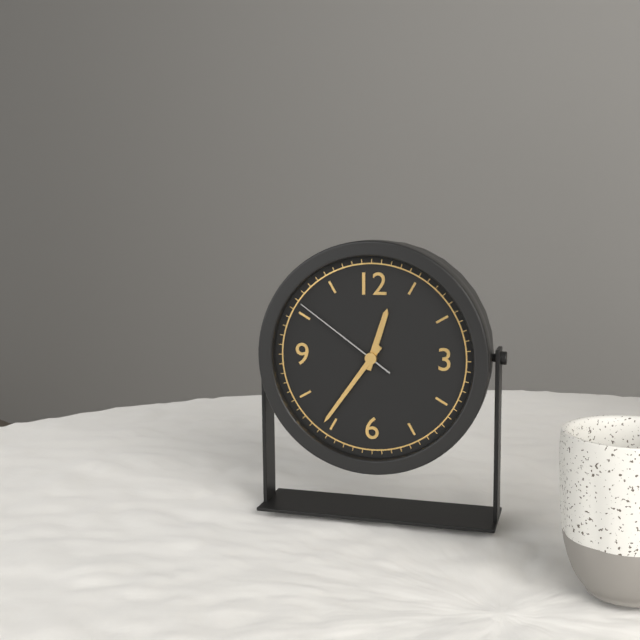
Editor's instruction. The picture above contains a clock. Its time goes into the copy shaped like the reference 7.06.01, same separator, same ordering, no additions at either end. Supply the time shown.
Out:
12.36.51
